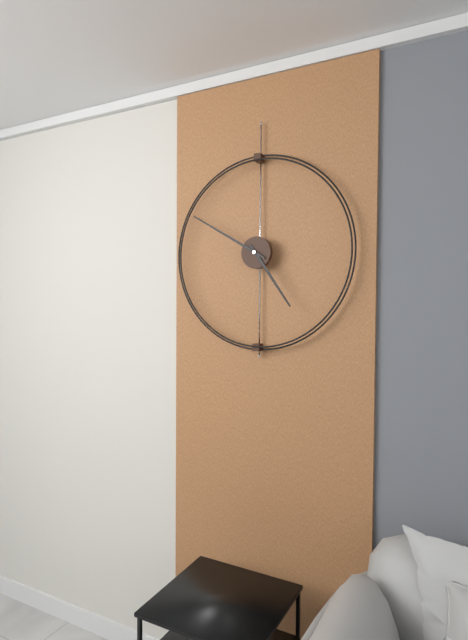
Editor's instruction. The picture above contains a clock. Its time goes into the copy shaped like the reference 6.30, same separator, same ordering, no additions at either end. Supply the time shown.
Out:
4.50
